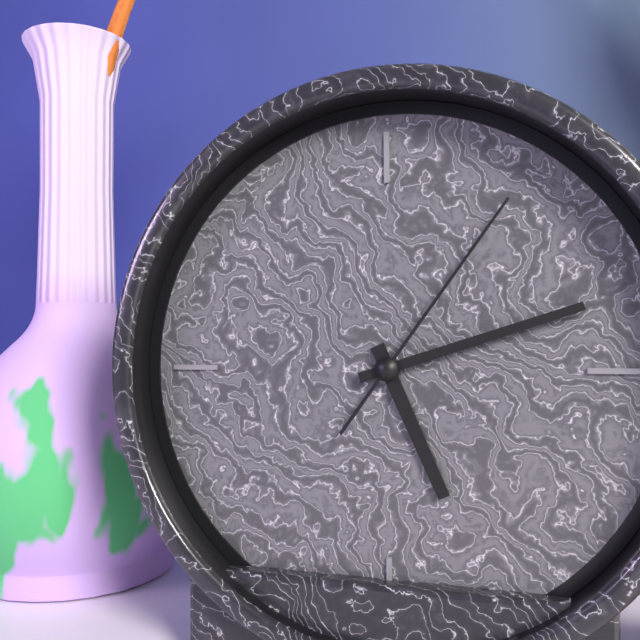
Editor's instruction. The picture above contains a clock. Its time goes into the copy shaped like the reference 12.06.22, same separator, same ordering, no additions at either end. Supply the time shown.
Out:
5.12.06
